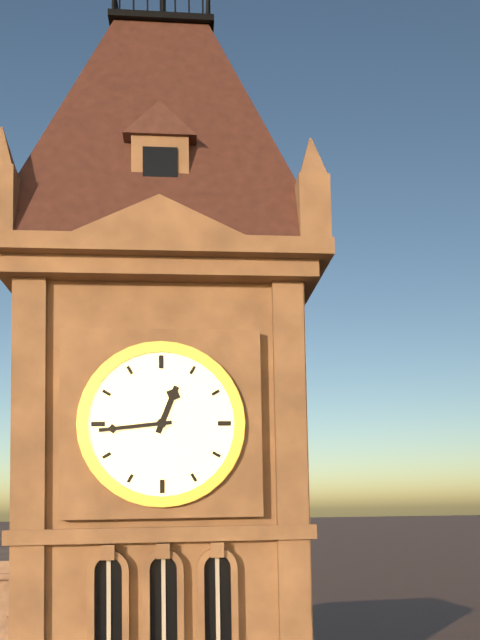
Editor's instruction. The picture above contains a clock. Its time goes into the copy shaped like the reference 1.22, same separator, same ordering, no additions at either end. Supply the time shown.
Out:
12.44
